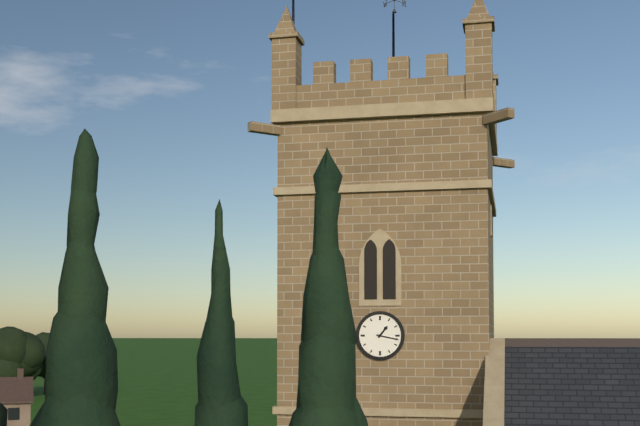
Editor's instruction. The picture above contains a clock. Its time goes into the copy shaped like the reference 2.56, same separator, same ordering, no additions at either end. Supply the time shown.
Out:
1.17
